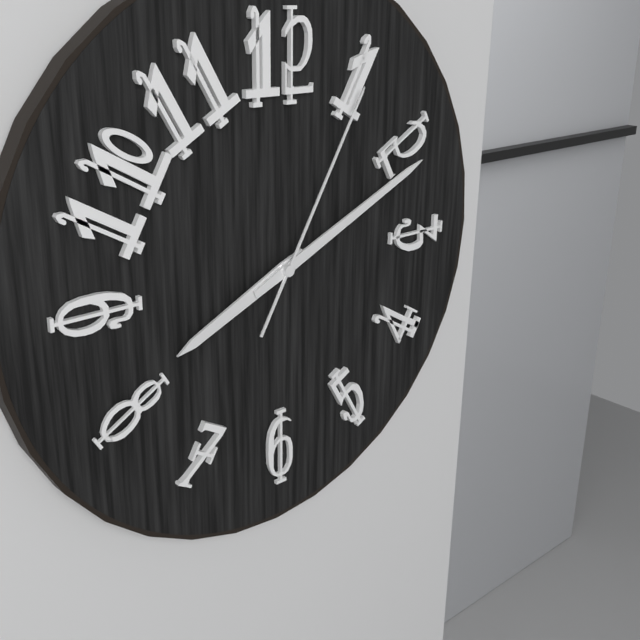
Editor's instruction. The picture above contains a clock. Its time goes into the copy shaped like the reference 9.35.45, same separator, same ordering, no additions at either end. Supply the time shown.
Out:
8.11.05
